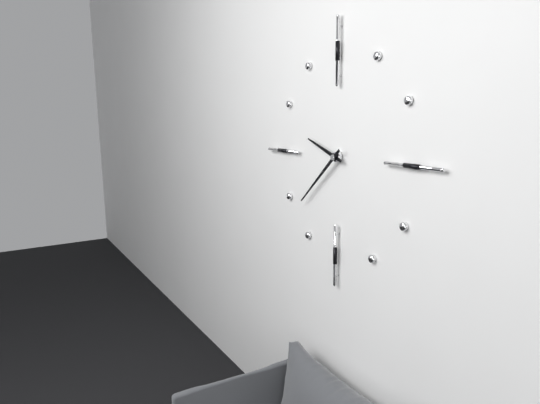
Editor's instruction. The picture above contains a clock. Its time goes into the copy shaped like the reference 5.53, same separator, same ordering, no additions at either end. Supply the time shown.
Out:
9.38
